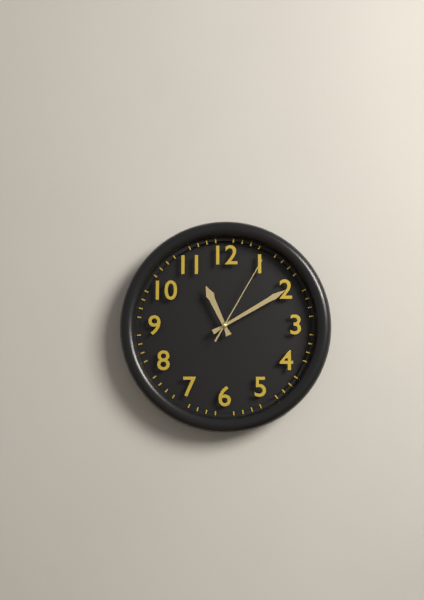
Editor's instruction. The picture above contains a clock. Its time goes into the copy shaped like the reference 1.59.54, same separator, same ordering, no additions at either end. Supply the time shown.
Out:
11.10.05
